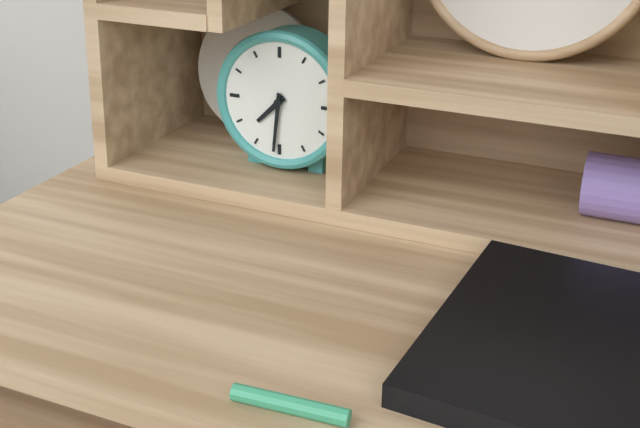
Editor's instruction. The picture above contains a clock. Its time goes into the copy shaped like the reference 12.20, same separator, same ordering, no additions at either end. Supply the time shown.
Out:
7.31
